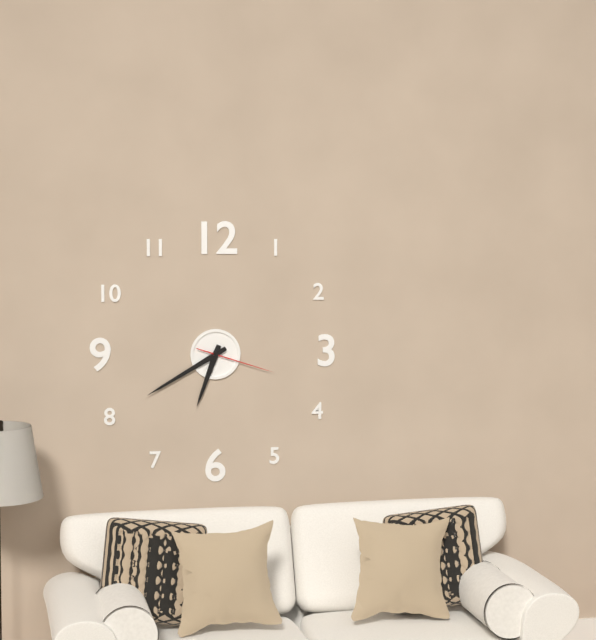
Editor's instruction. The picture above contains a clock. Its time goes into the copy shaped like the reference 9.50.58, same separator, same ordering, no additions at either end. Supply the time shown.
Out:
6.40.18
